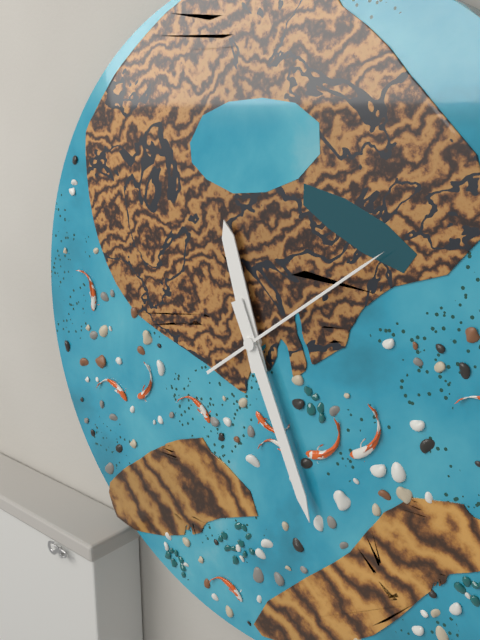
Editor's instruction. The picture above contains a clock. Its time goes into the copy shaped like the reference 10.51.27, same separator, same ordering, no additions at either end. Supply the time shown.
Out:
11.26.09
